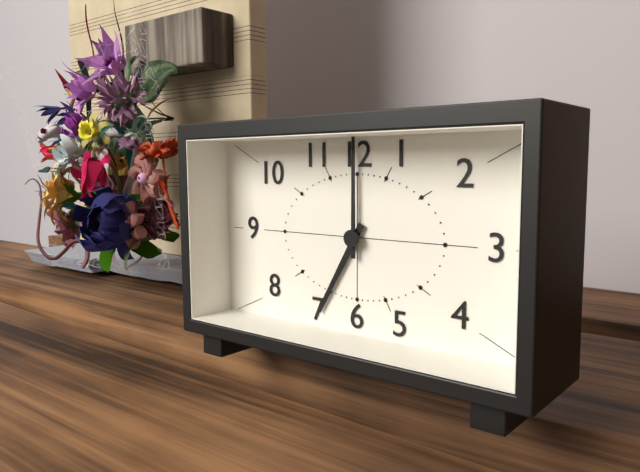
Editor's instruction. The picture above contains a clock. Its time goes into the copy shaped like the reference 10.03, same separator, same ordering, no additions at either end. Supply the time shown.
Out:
7.00
